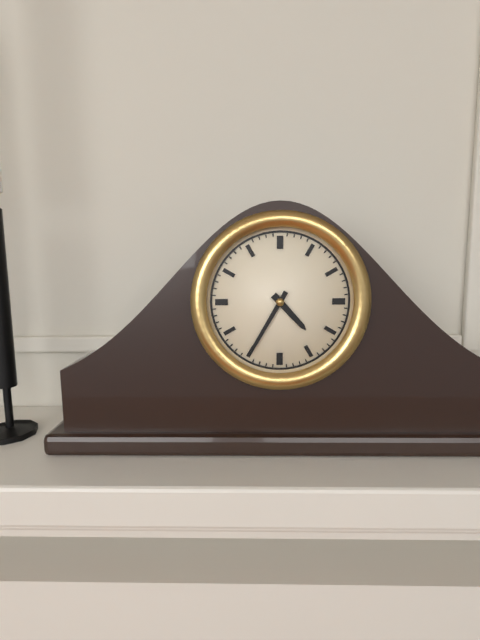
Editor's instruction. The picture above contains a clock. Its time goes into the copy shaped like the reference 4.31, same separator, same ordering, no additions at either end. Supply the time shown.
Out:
4.35
